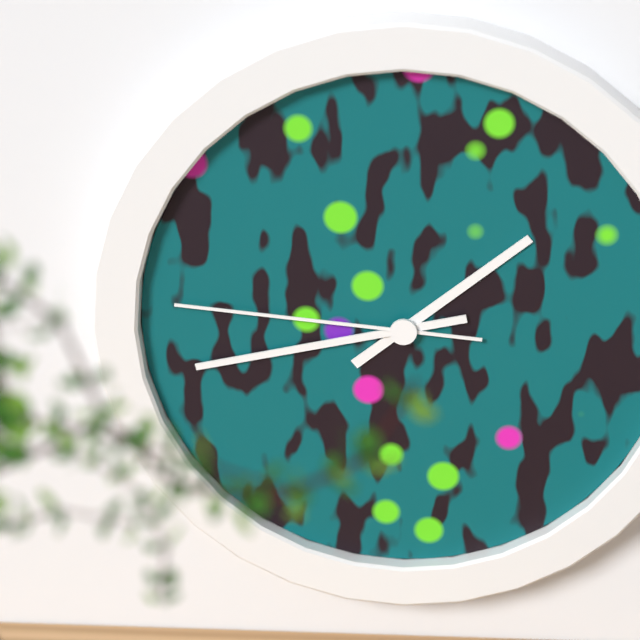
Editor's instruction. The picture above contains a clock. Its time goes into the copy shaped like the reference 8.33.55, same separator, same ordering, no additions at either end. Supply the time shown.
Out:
1.43.46
